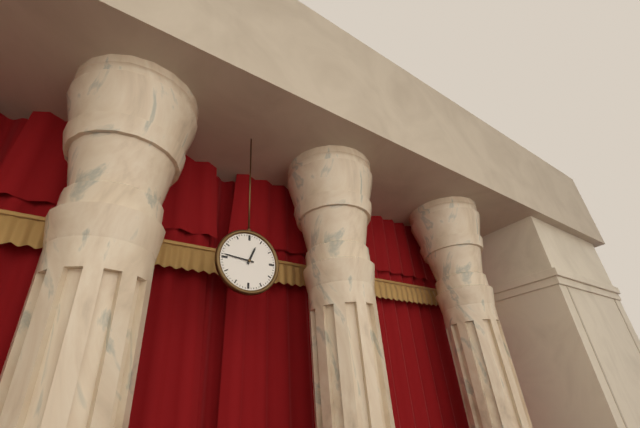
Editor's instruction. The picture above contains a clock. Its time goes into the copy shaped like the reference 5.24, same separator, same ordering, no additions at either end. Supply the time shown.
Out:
12.46
